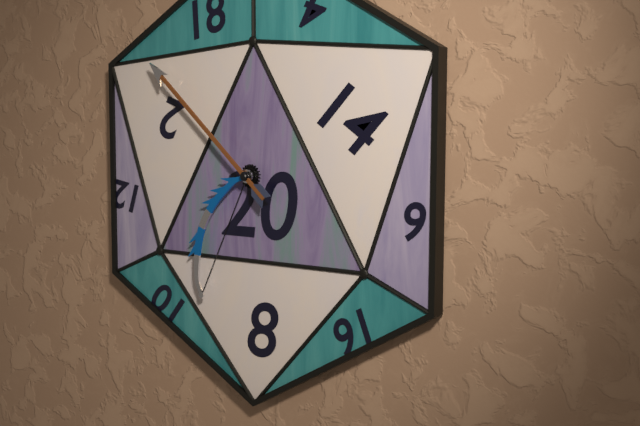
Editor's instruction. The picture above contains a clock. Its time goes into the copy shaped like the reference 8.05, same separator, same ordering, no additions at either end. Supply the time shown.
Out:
6.52
